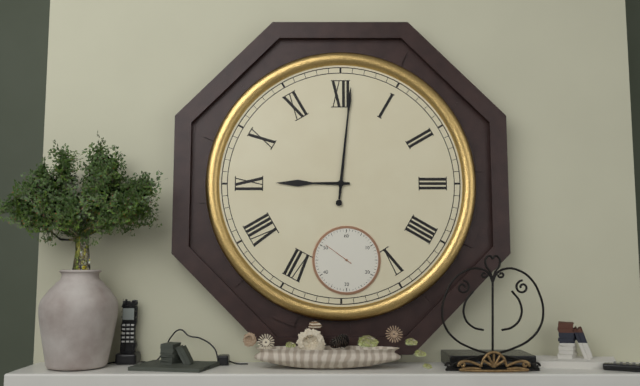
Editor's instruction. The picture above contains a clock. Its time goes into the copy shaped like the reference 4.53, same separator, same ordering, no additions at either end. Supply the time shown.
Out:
9.01
